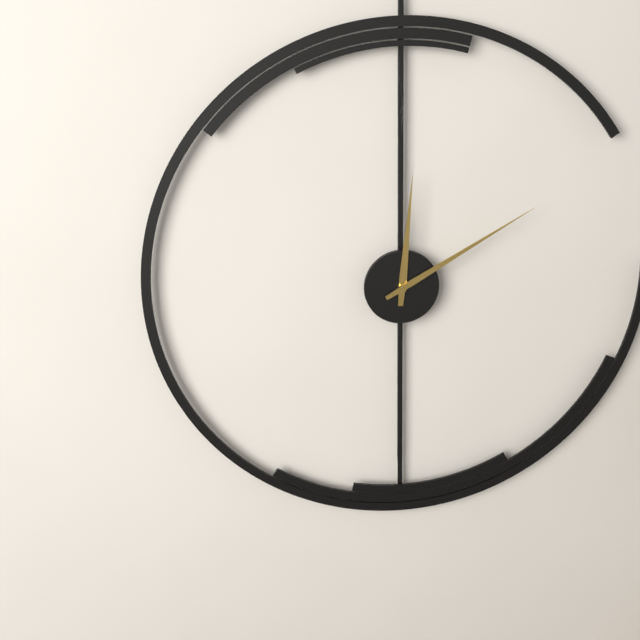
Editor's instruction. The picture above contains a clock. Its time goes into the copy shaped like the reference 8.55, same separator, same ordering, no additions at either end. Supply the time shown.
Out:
12.10
